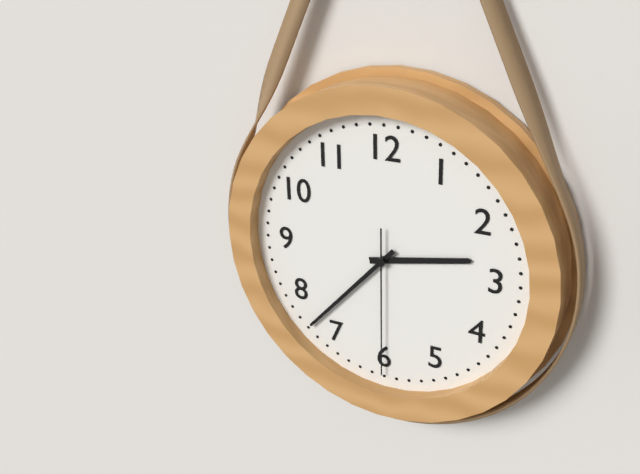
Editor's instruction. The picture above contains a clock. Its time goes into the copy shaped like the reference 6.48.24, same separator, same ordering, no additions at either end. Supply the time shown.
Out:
2.37.30
